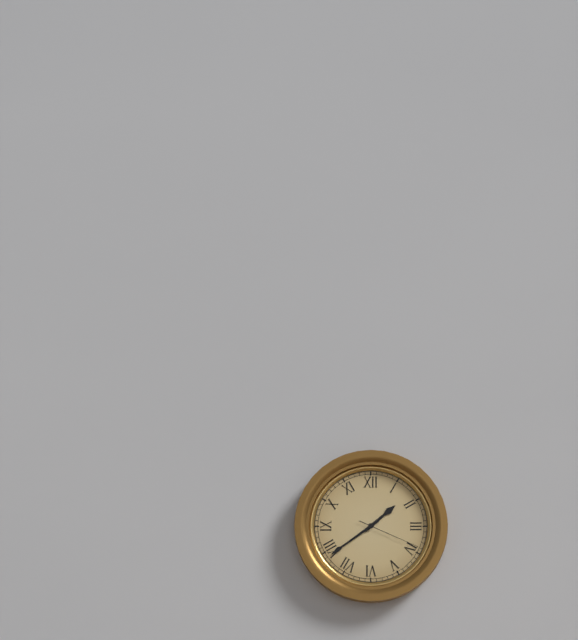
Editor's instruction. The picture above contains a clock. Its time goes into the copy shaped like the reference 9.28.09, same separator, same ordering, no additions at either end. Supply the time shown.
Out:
1.39.19
